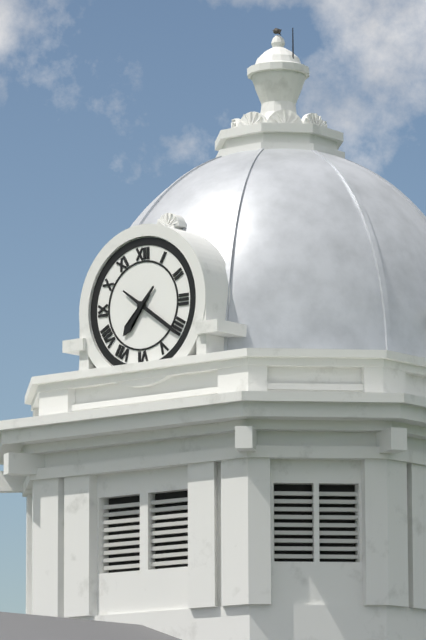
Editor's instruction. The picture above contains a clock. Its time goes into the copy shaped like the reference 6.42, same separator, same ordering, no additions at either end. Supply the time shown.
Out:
7.21
